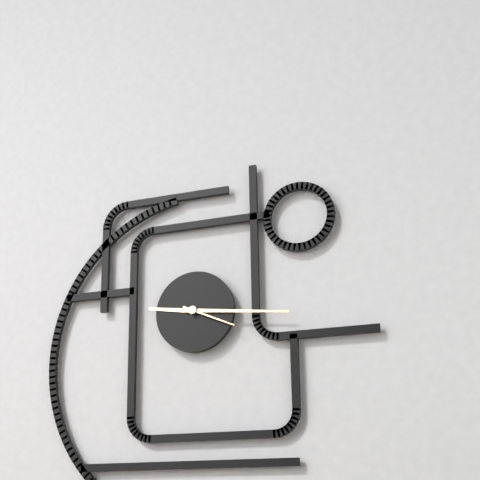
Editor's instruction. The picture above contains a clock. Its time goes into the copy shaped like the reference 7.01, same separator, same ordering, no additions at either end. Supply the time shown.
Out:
9.16
